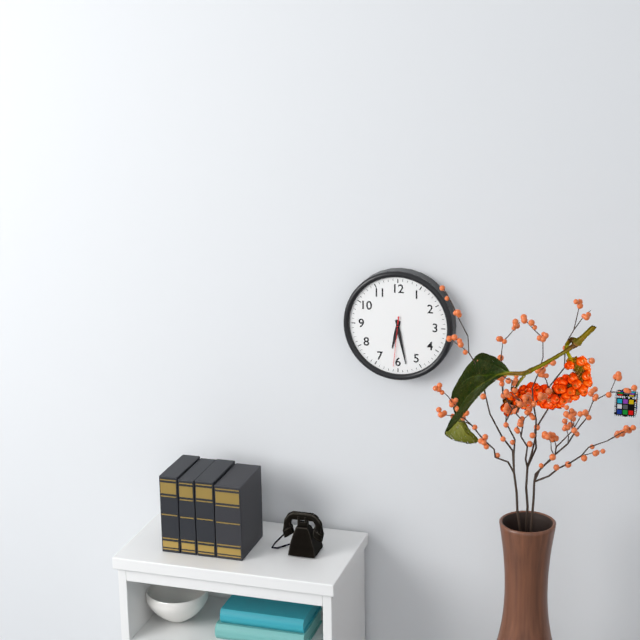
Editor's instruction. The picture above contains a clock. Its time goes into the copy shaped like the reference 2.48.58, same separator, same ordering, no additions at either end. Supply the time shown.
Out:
6.28.31
